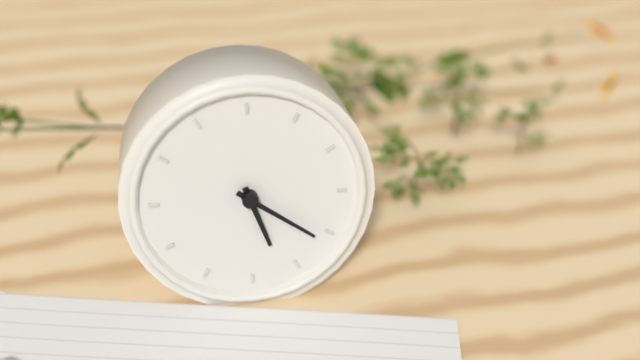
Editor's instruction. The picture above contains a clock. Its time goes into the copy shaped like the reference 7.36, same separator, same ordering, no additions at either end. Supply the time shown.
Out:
5.21
